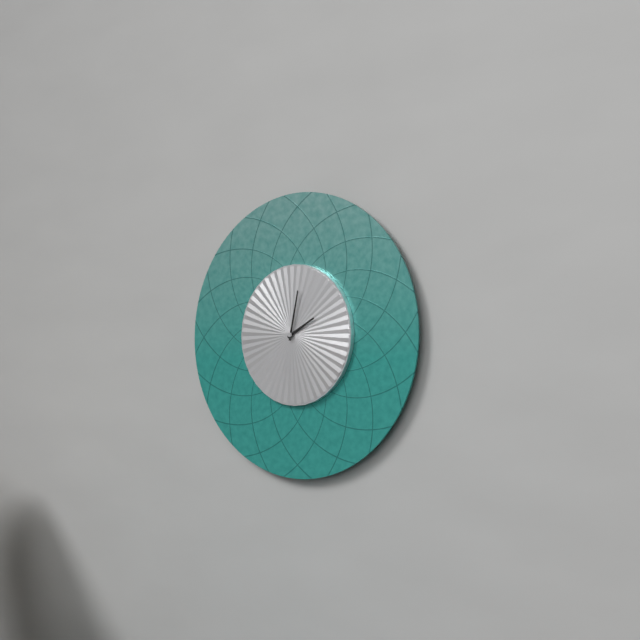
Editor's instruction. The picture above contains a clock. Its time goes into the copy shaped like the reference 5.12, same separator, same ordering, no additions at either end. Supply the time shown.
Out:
2.02
